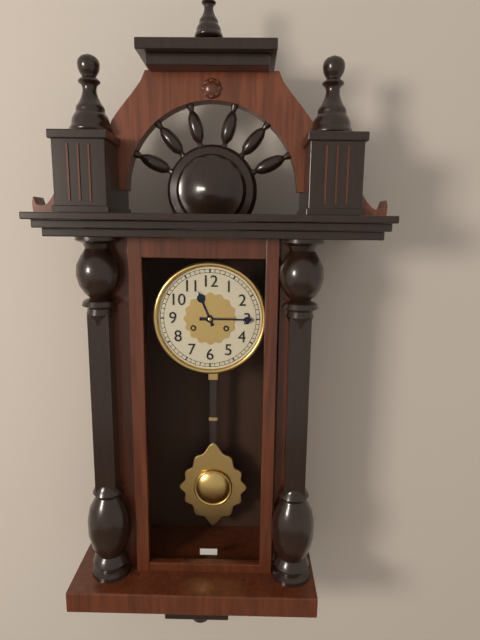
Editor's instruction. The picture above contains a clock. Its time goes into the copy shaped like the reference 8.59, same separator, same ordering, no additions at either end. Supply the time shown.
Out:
11.15
